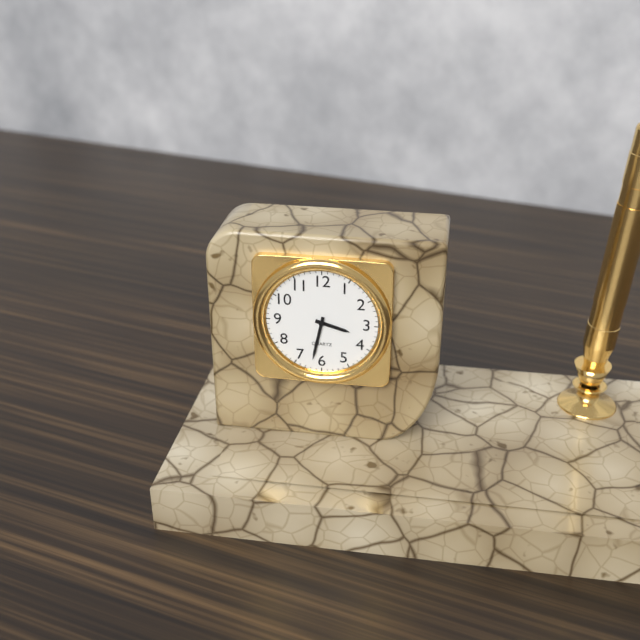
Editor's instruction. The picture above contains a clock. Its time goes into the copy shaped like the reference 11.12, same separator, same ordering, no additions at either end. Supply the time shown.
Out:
3.32
